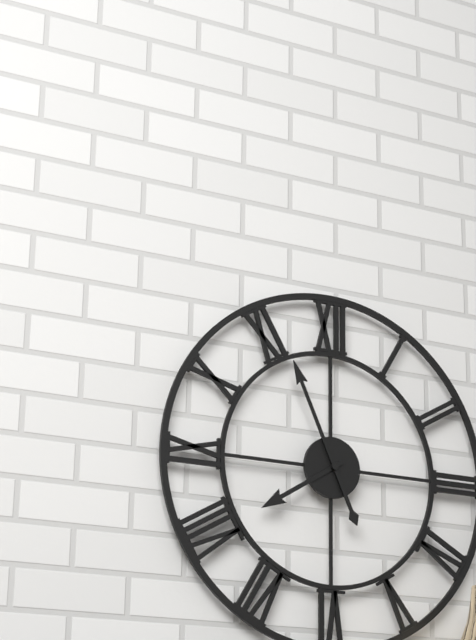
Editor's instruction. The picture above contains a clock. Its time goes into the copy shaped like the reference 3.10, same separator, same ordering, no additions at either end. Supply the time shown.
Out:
7.56
